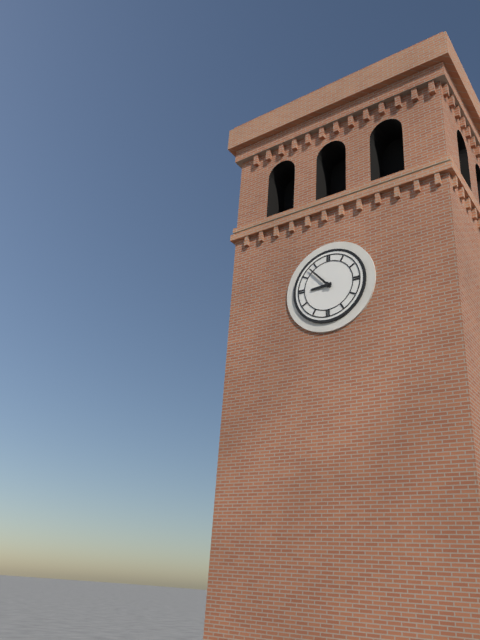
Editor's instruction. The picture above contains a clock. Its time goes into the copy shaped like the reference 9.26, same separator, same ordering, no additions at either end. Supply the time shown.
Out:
8.53
